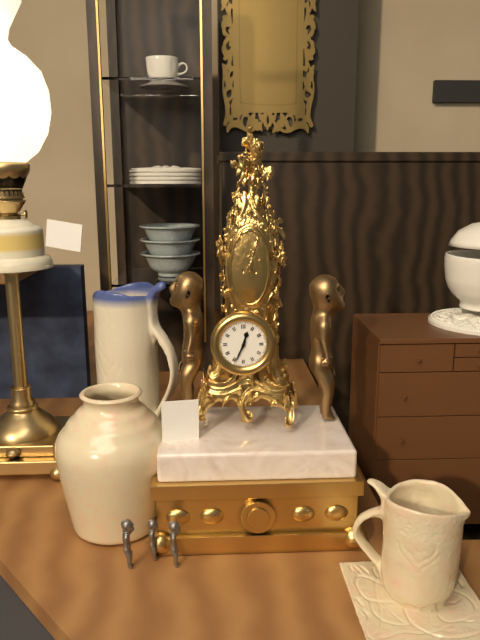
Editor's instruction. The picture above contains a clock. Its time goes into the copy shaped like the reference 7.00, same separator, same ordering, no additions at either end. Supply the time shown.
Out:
12.34
